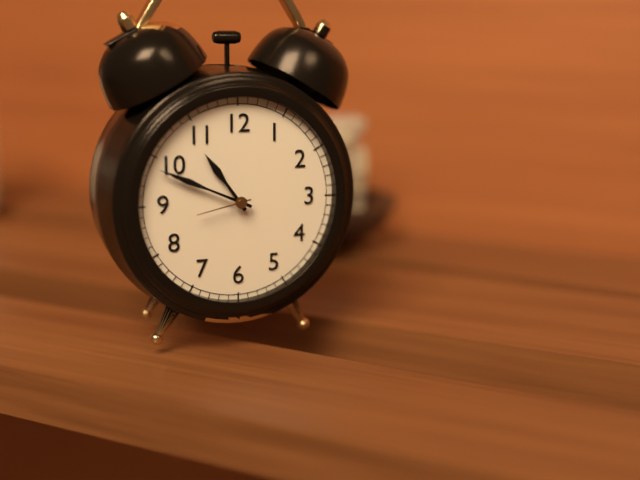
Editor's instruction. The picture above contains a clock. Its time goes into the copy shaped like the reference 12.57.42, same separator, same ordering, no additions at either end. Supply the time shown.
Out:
10.49.43
